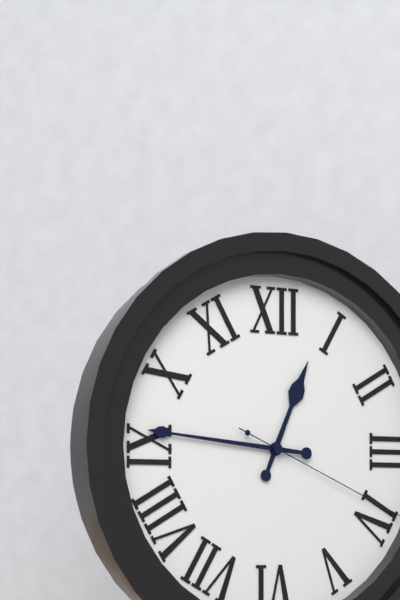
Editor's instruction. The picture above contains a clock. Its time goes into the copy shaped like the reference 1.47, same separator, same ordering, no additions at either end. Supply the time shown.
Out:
12.46
